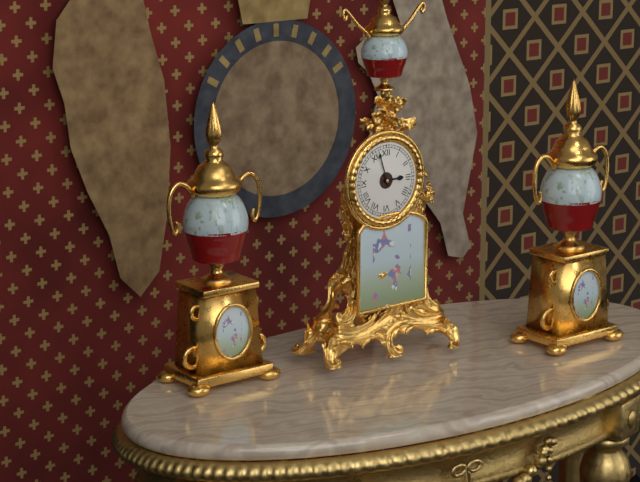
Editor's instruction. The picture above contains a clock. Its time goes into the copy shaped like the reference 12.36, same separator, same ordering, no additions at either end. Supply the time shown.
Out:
2.57
